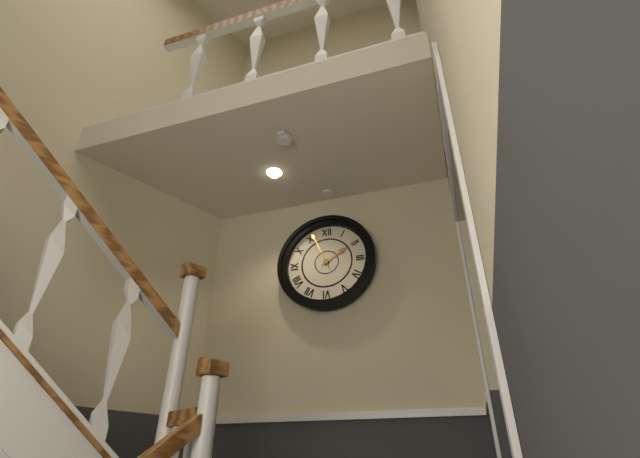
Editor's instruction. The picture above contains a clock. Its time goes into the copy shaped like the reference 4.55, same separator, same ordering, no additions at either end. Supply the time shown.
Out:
1.56
